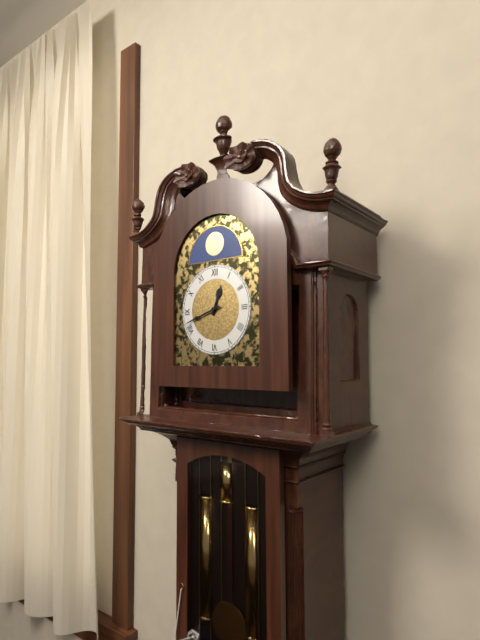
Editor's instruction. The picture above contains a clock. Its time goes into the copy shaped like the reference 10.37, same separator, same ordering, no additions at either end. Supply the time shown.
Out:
12.42
